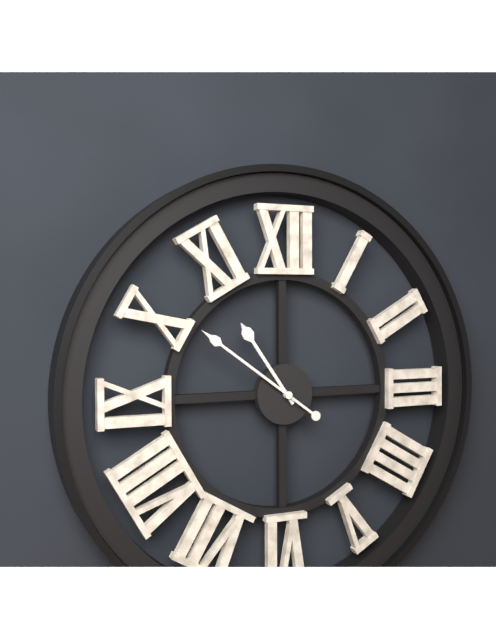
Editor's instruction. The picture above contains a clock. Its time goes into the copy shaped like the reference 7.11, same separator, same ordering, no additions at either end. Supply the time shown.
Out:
10.51
